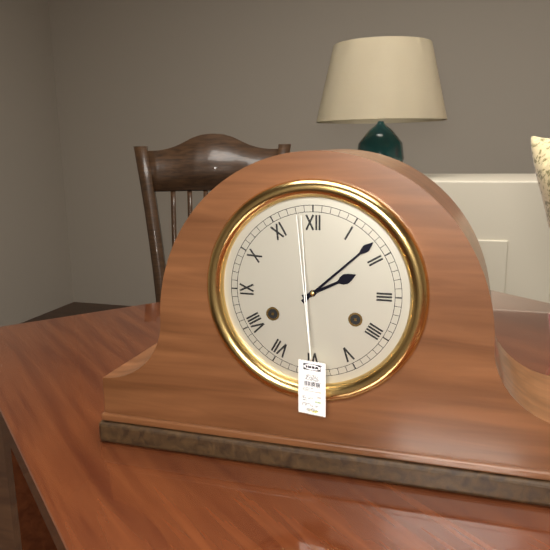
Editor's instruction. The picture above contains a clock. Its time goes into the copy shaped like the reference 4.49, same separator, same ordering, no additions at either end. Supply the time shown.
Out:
2.08
